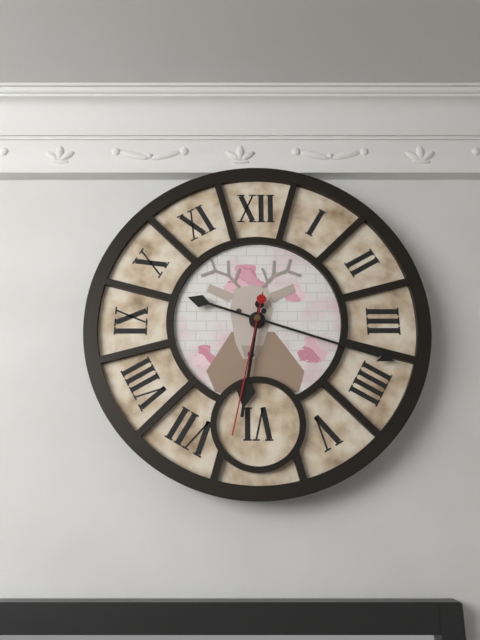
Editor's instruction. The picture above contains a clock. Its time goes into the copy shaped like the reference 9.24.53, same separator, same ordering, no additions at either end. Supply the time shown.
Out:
6.18.32
